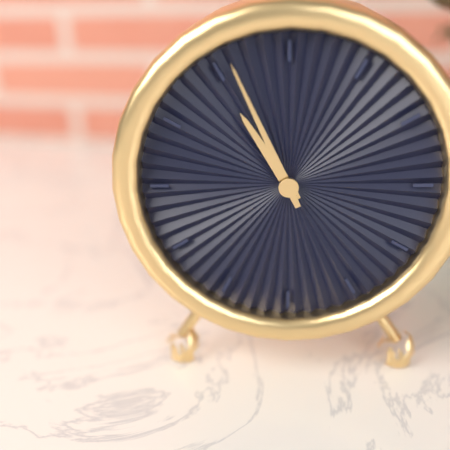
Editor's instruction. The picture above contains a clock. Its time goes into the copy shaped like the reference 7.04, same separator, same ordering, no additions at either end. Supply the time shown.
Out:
10.56
